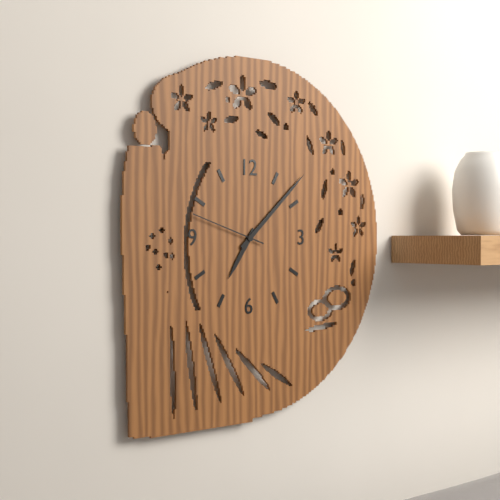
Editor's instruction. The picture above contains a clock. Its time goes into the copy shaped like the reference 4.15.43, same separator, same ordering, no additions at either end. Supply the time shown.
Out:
7.08.48
